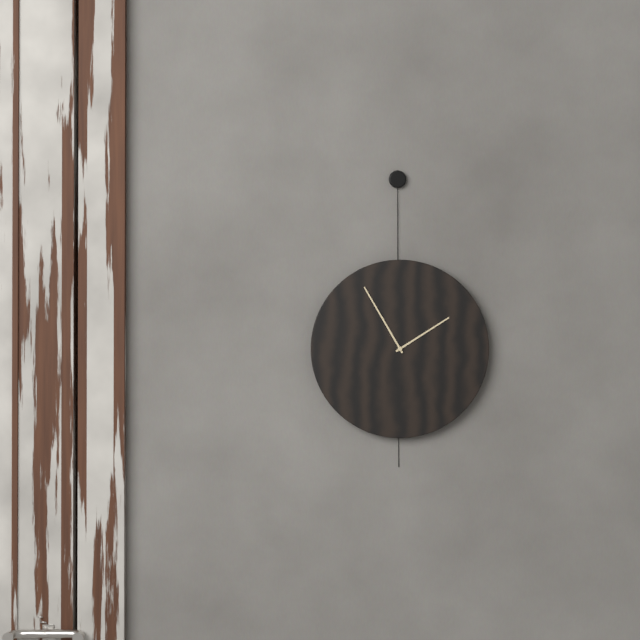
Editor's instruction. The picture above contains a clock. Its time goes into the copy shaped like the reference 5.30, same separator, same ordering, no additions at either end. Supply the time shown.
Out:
1.55
